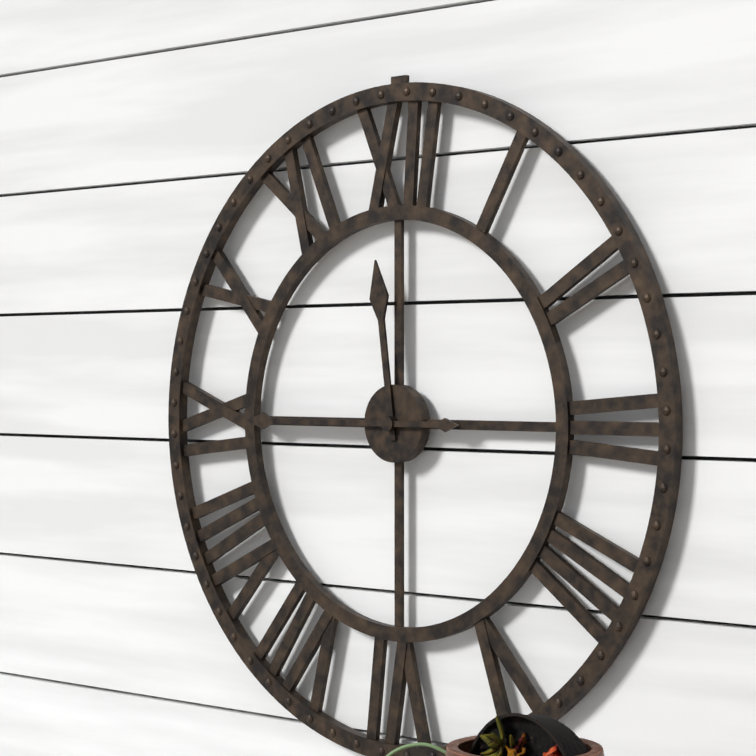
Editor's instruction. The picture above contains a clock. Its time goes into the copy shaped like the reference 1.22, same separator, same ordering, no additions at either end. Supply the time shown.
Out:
11.45
